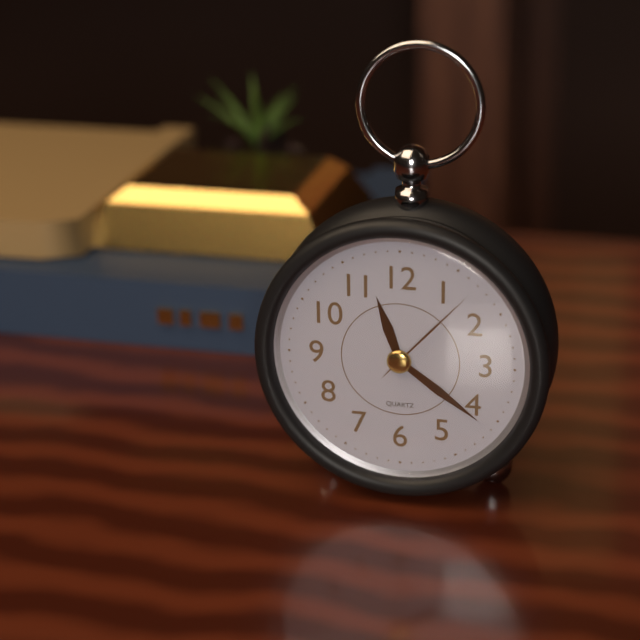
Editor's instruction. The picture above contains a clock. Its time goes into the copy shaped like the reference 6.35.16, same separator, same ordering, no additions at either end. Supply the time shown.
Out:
11.21.07
